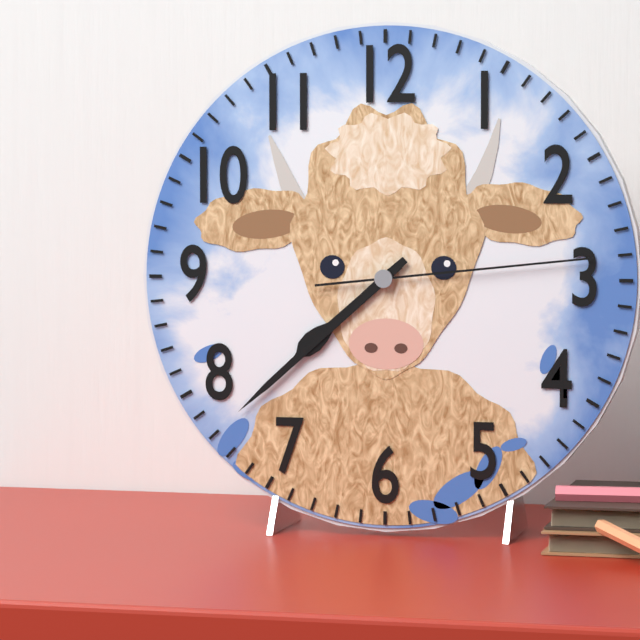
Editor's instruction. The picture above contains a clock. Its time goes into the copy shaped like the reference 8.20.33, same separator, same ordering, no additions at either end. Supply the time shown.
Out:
7.38.14
